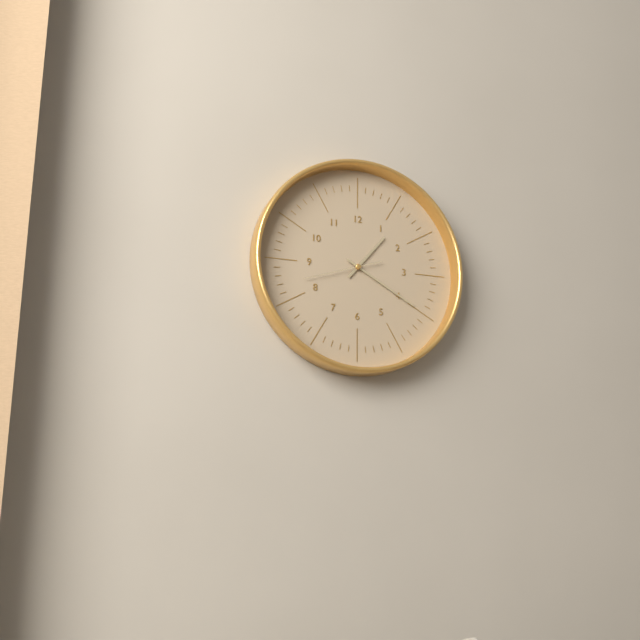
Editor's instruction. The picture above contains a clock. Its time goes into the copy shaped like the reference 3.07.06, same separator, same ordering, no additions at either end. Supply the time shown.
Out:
1.20.42
